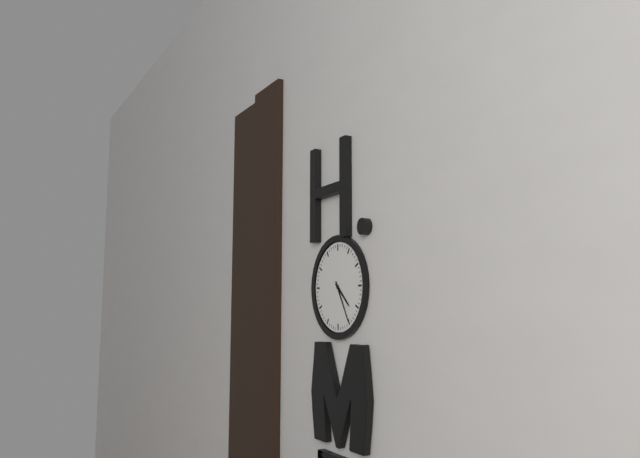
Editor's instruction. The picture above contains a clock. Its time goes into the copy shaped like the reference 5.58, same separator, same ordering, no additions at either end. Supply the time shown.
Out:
4.25
